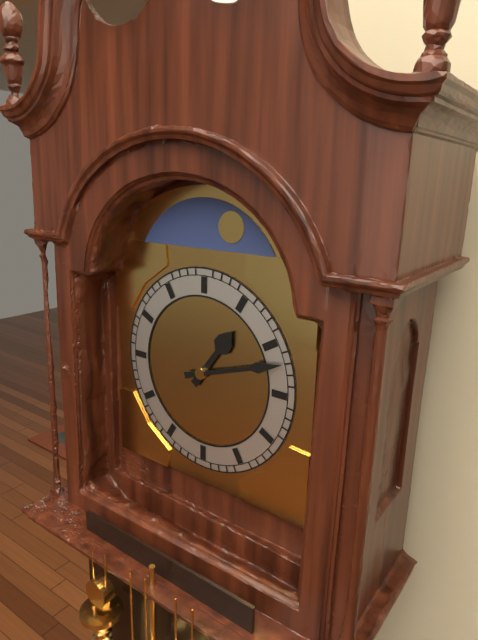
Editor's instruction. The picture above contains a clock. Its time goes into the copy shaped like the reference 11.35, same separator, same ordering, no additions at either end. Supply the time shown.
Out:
1.12
